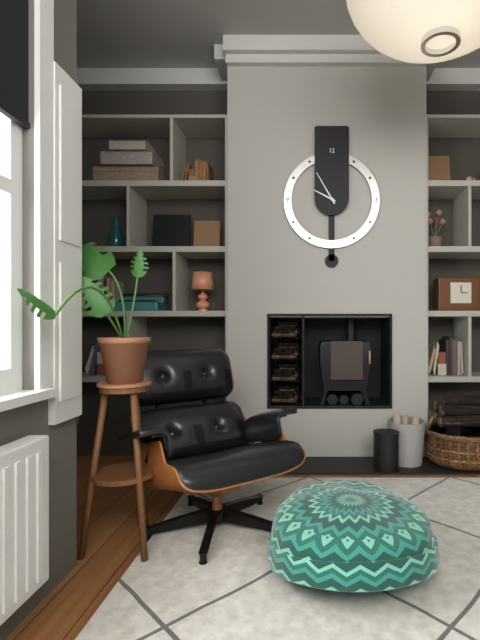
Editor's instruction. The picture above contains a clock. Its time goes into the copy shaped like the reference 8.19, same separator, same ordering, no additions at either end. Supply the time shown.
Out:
9.55
